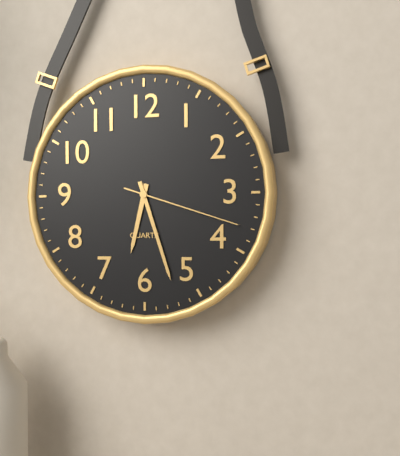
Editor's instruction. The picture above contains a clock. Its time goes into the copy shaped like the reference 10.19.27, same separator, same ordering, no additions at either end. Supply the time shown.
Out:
6.27.18
